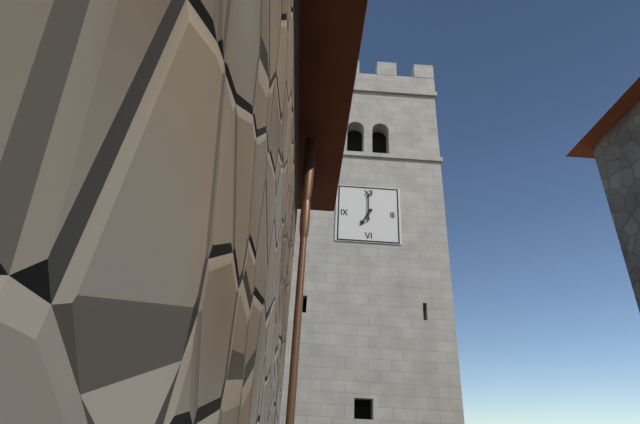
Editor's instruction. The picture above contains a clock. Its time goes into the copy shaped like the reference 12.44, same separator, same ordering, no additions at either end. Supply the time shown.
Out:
7.00
